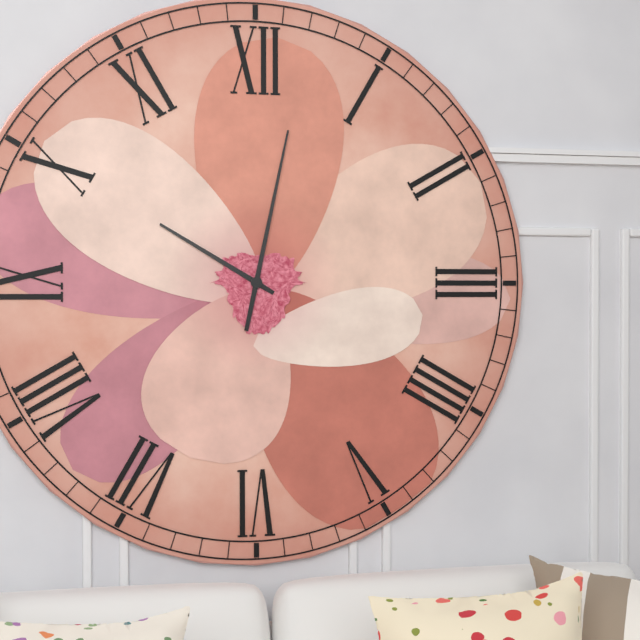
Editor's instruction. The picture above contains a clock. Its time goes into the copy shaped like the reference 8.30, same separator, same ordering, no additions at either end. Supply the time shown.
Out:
10.02
